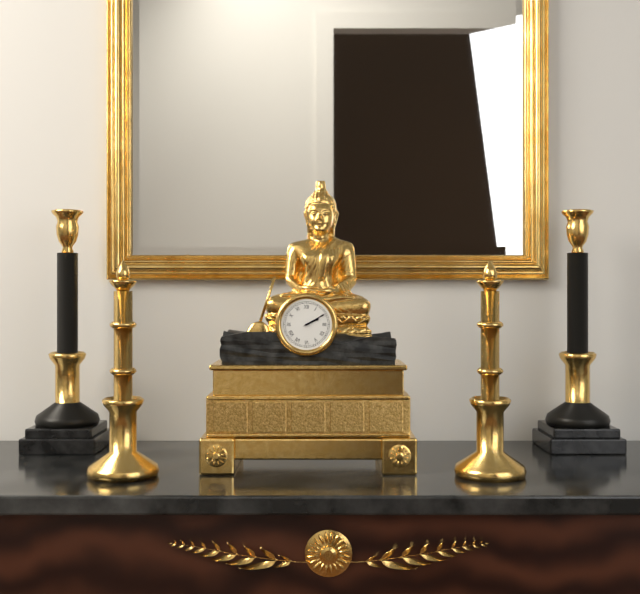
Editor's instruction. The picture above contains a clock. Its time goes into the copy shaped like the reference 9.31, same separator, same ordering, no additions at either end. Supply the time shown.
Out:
2.10
